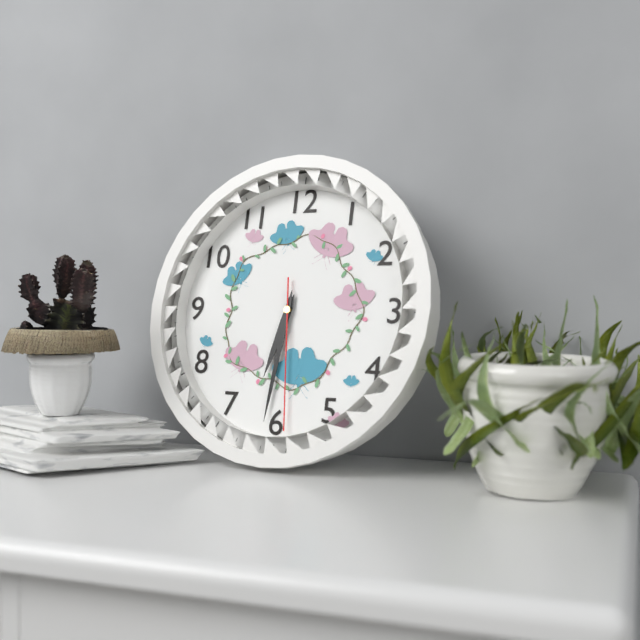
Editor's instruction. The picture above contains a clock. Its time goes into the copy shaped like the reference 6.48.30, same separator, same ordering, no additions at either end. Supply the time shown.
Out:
6.31.29
